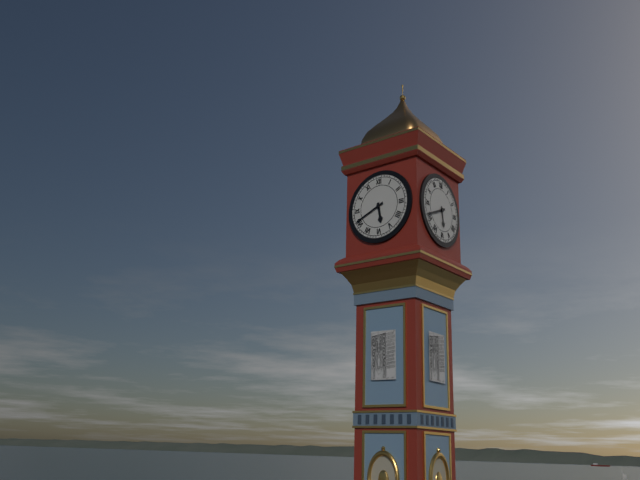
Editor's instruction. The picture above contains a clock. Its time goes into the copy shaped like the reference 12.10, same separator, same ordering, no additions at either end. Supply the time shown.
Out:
5.41
